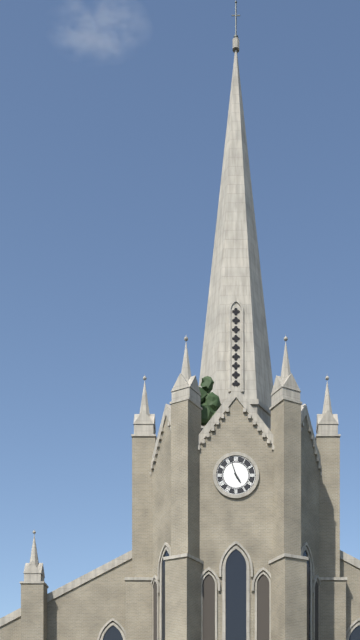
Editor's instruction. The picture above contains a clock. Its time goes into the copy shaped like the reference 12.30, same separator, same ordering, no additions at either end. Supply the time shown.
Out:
4.57
